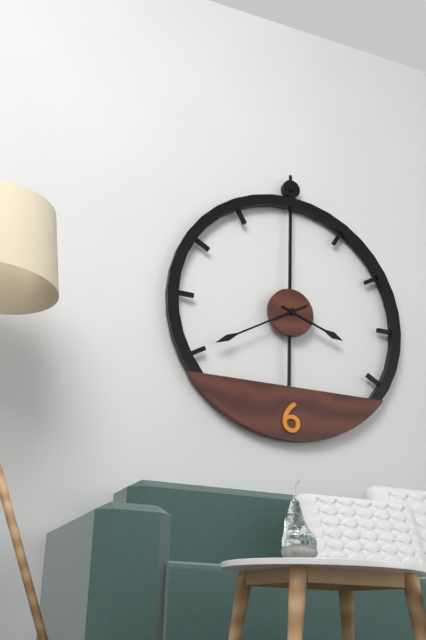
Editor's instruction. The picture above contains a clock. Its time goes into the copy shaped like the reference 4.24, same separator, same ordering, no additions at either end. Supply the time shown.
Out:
3.40
